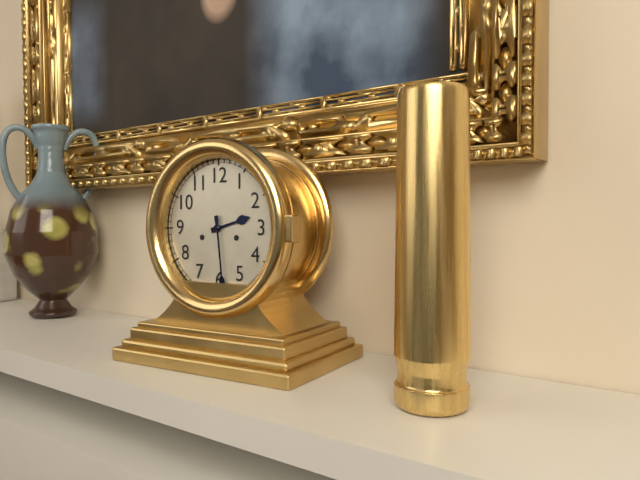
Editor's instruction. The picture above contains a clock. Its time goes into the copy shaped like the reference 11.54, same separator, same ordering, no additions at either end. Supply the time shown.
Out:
2.29
